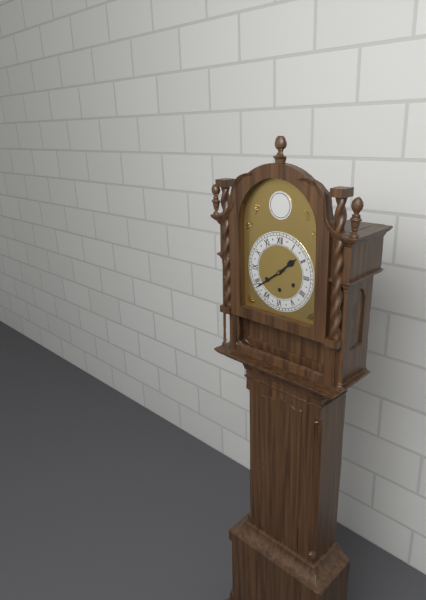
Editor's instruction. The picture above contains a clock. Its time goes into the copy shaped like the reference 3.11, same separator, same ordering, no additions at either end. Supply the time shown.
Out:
1.39
